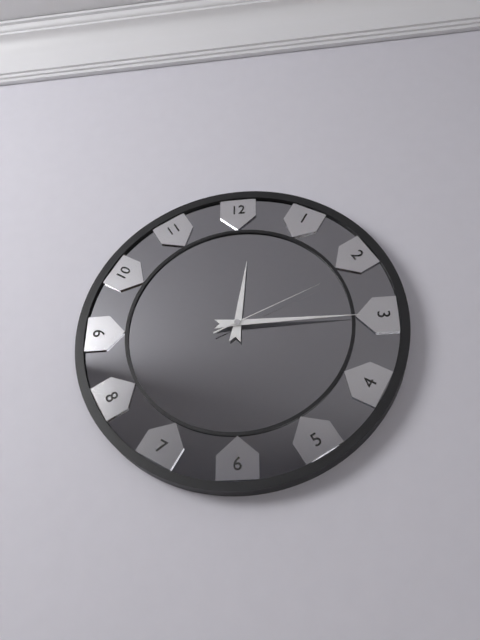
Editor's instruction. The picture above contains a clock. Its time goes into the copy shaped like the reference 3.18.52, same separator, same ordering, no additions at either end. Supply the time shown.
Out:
12.15.11
